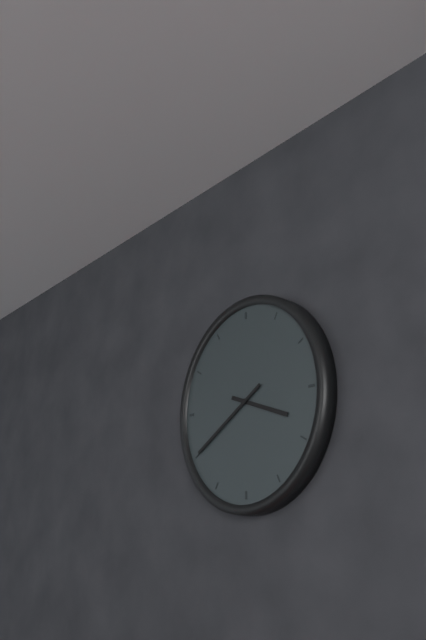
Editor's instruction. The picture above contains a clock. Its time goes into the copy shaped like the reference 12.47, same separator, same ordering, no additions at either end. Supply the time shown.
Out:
3.40
